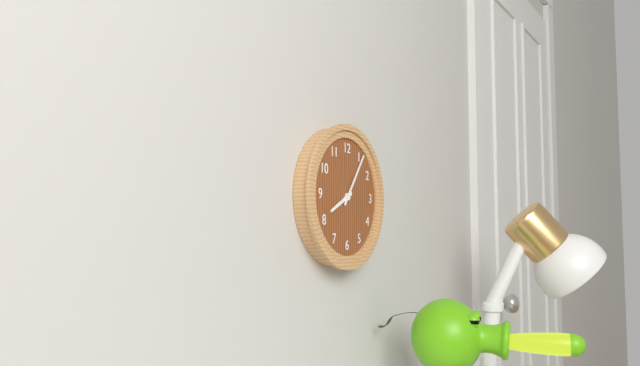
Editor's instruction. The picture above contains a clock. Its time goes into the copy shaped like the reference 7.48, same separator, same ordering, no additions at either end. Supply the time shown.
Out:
8.06
